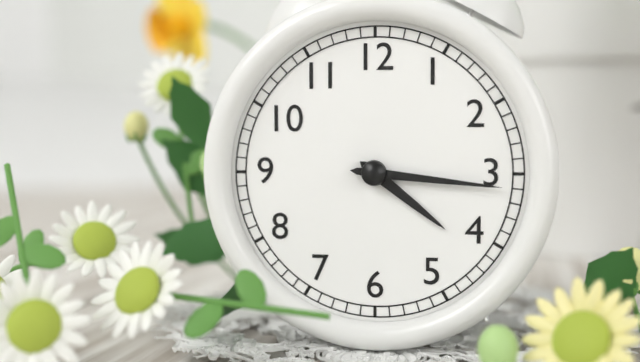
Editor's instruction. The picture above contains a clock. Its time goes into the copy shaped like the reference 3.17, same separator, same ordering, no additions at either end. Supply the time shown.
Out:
4.16
